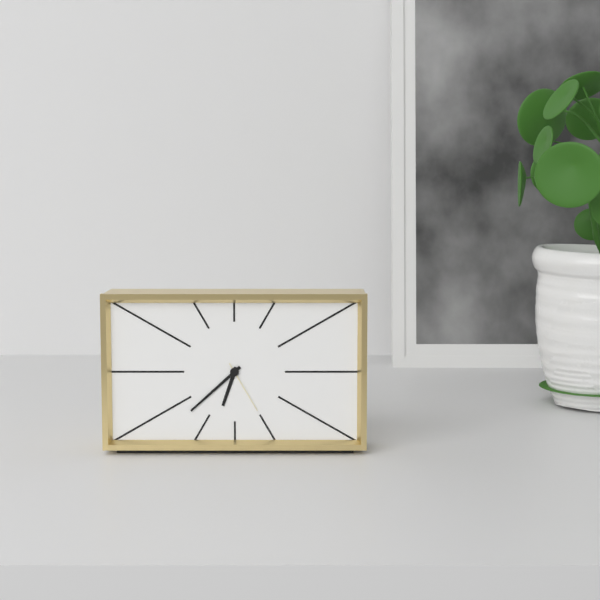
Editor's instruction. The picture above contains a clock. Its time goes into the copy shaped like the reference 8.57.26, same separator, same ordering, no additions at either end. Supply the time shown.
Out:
6.38.25
